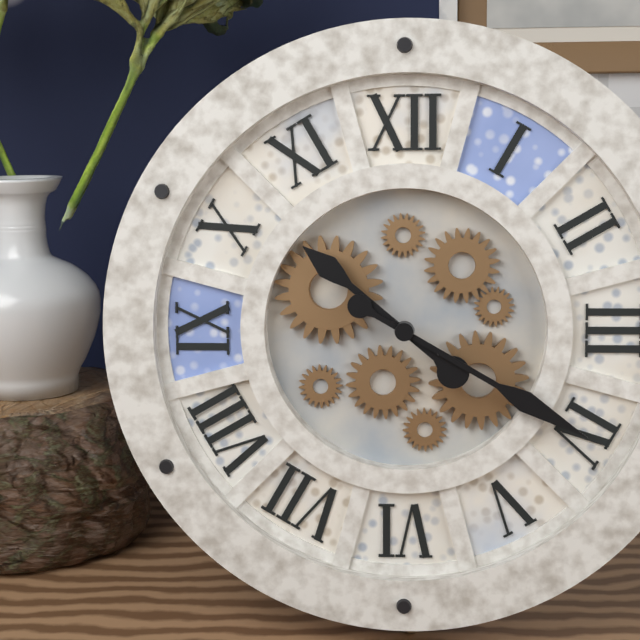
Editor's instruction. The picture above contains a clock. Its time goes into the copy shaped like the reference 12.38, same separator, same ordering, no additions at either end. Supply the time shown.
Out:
10.20
